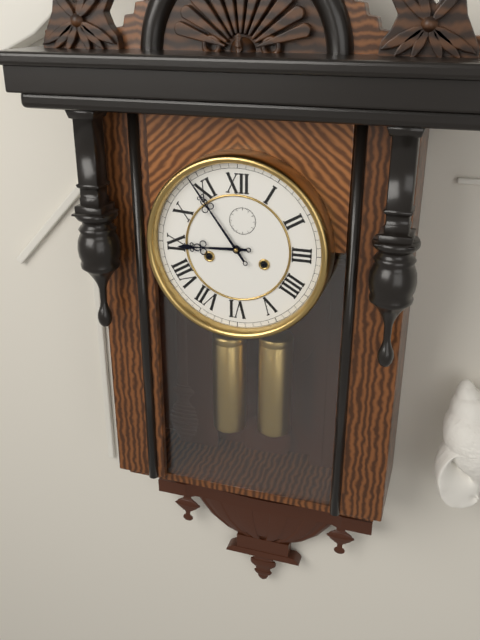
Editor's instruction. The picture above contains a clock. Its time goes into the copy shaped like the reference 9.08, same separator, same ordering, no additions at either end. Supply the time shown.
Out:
8.54
